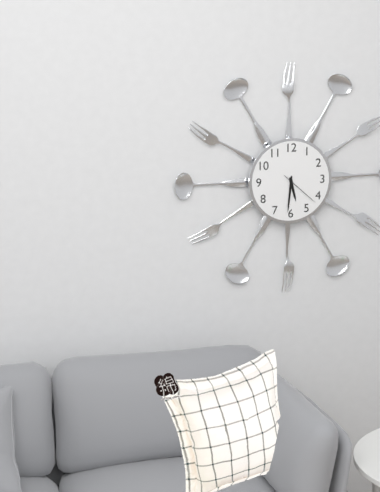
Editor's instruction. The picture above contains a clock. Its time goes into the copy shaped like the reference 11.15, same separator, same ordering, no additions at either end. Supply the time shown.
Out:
5.31
